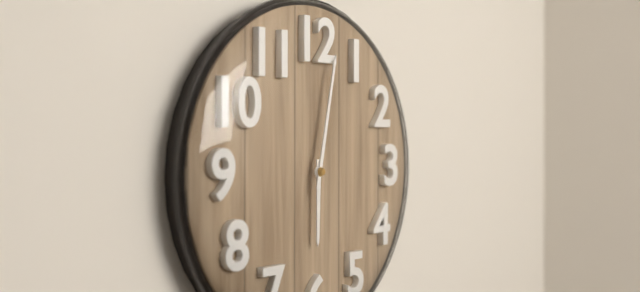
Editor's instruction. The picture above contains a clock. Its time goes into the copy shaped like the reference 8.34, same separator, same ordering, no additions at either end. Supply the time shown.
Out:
6.02
